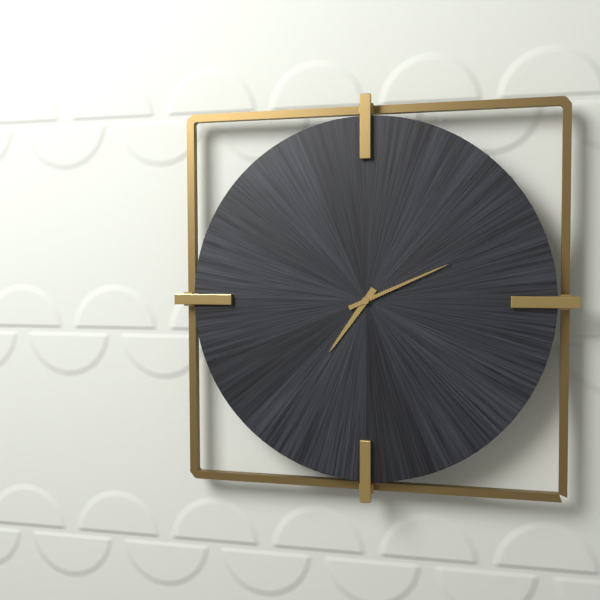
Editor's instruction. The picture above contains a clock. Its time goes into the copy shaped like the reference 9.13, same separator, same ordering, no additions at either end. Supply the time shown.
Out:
7.11
